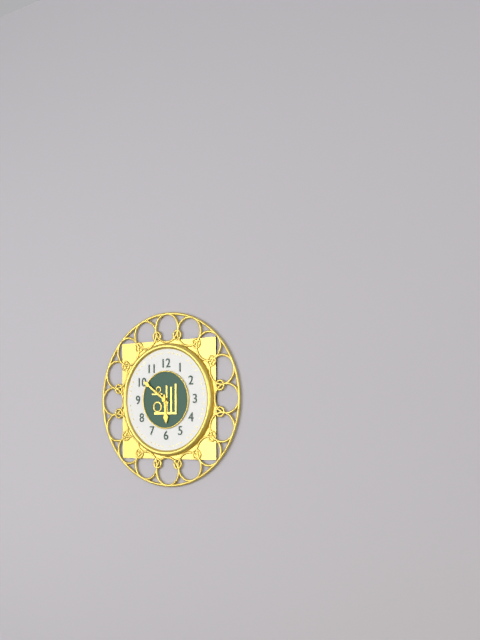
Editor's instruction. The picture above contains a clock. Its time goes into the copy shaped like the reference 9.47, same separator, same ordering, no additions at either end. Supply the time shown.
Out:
5.51
